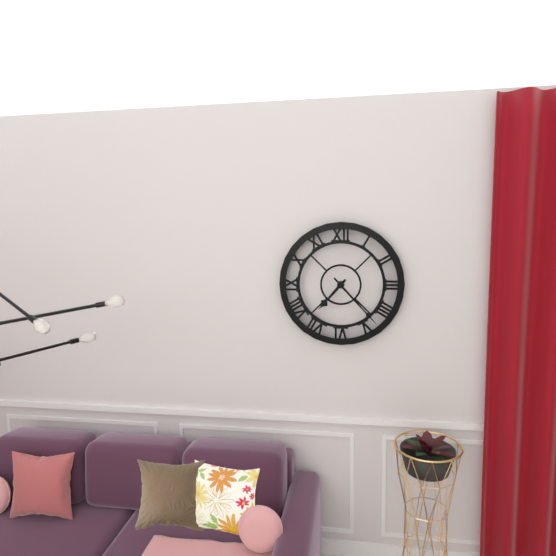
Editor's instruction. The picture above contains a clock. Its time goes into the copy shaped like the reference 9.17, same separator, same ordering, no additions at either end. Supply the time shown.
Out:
7.23
